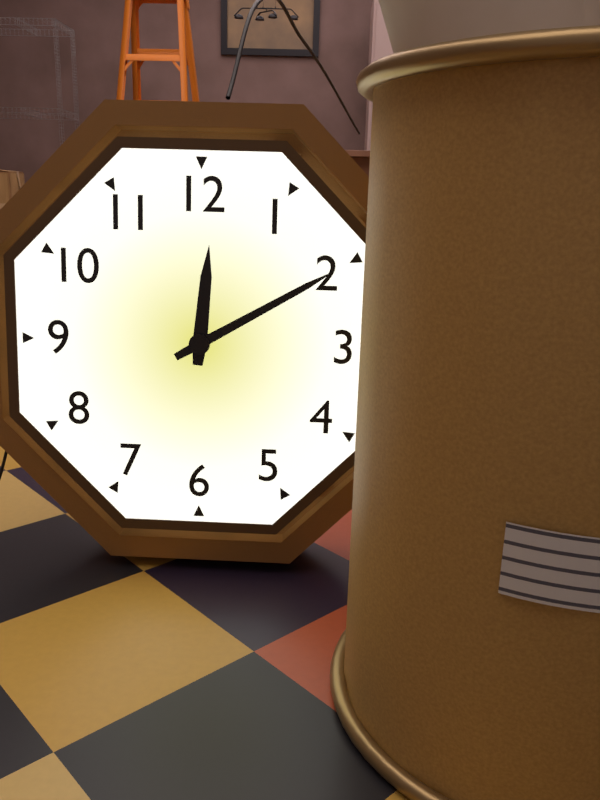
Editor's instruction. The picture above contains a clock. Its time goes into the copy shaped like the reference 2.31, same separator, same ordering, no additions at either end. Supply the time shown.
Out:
12.10
